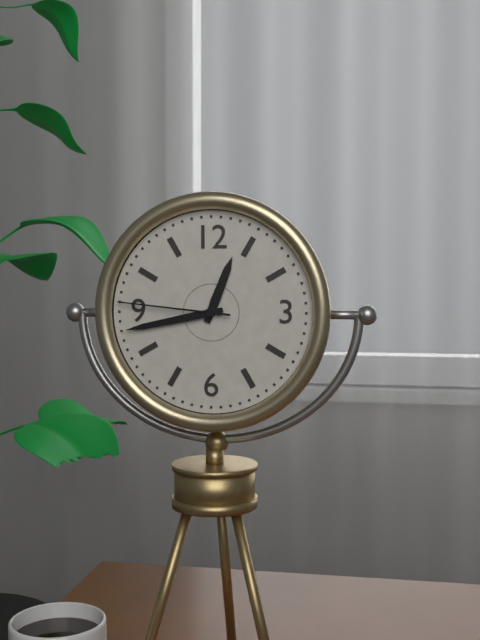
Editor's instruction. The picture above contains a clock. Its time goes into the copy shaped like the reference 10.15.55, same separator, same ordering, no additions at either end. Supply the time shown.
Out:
12.43.46
